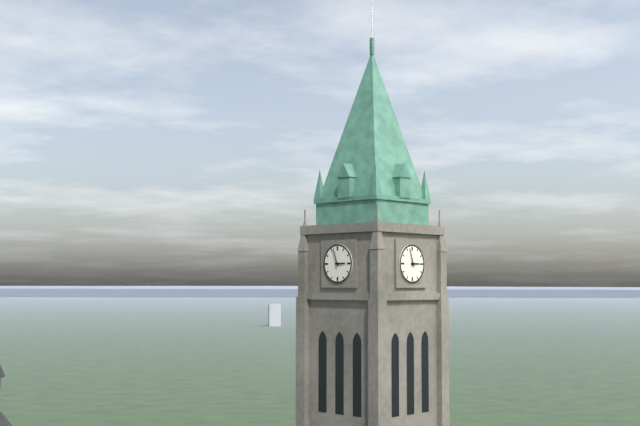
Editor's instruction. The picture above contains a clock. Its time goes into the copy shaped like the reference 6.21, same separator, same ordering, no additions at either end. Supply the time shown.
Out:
2.57
